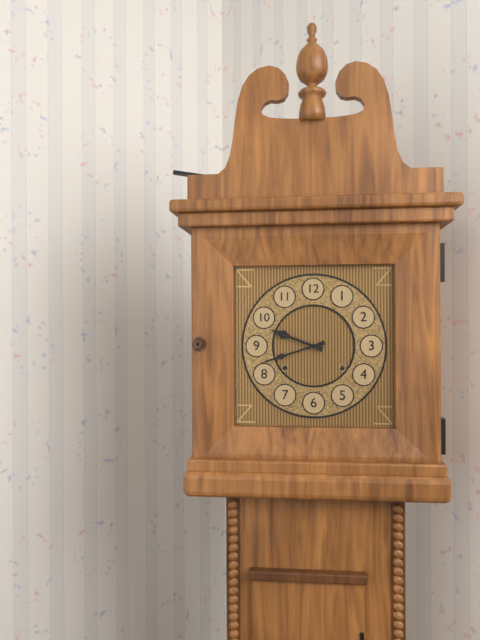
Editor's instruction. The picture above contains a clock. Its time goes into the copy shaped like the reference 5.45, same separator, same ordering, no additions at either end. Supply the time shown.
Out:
9.42
